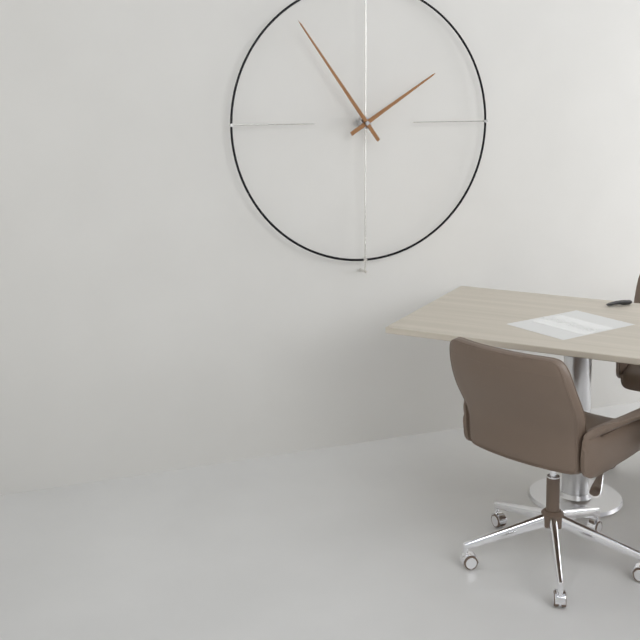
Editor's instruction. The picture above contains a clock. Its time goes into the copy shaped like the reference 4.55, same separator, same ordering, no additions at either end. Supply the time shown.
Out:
1.54
